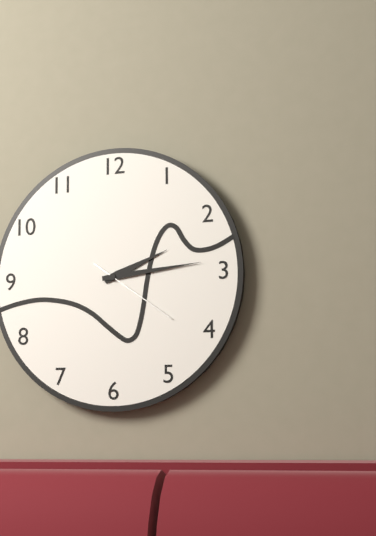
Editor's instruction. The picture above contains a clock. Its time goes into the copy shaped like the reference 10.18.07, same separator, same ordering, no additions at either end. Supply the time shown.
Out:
2.14.21
